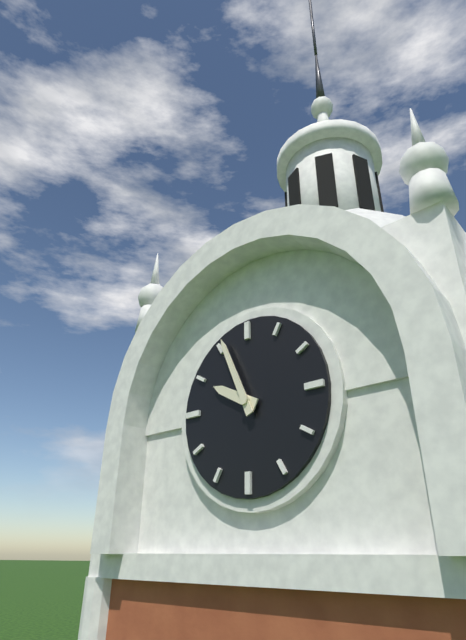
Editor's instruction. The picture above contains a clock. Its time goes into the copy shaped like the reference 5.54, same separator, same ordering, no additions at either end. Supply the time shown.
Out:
9.56
